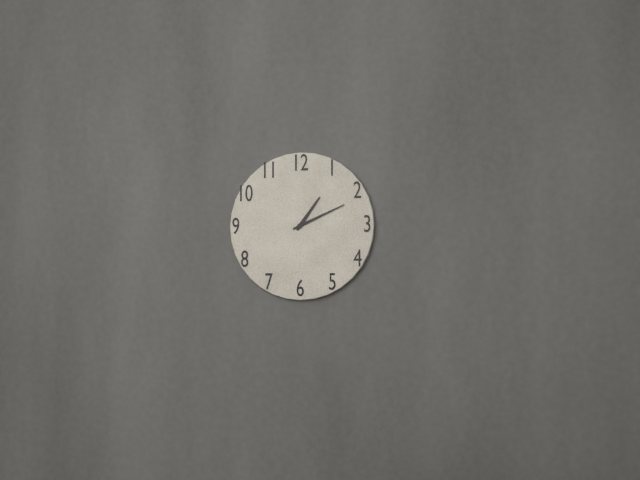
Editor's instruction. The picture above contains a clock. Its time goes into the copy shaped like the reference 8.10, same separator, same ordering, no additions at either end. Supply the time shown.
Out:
1.11
